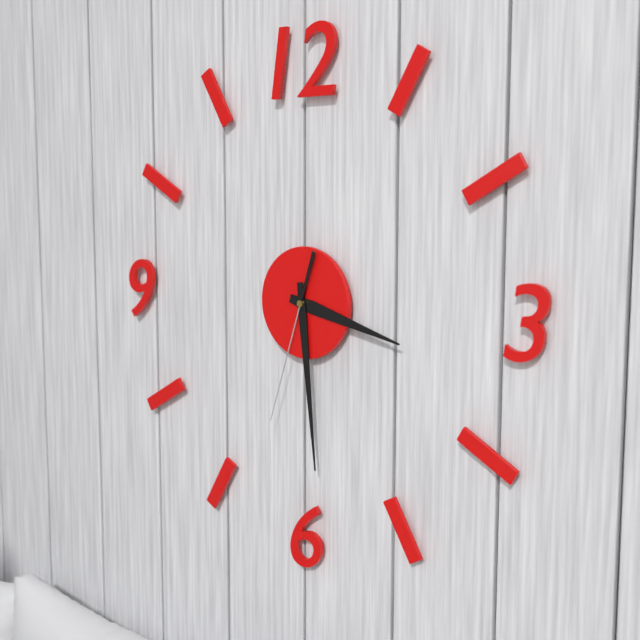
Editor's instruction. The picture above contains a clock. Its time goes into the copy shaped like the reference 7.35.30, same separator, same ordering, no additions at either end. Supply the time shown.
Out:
3.29.33
